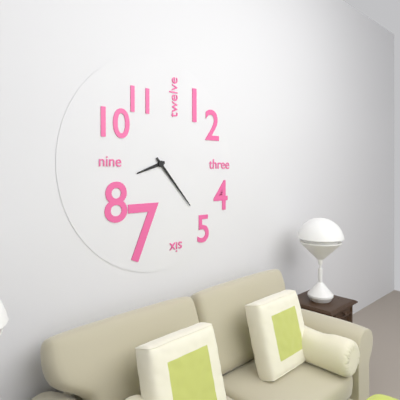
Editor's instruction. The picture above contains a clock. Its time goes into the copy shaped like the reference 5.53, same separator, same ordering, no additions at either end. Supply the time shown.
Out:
8.23
